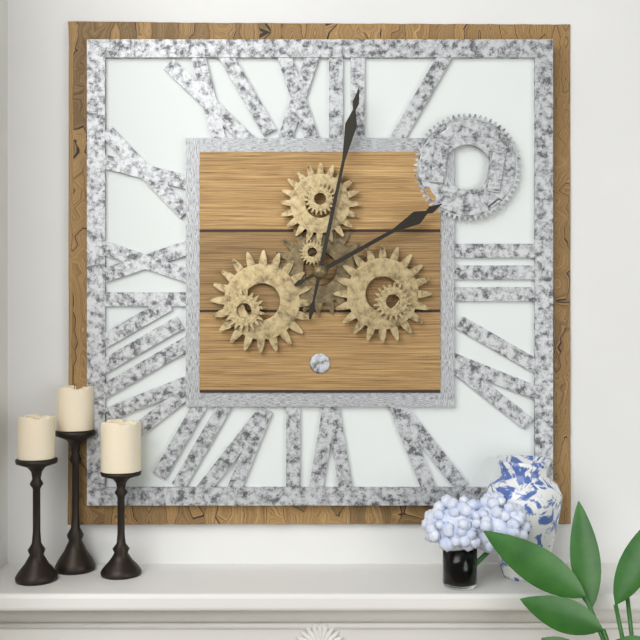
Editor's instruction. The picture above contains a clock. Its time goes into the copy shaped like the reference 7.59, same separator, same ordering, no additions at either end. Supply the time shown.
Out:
2.02
